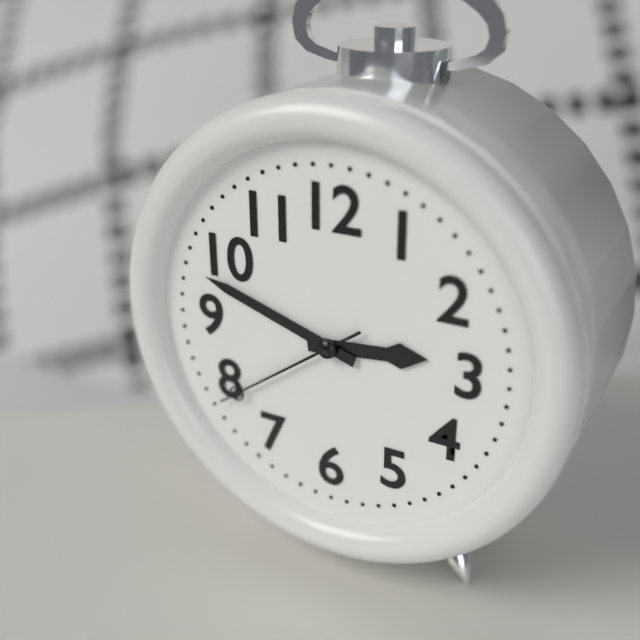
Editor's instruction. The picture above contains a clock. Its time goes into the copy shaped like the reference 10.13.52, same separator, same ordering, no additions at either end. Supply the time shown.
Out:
2.48.39
